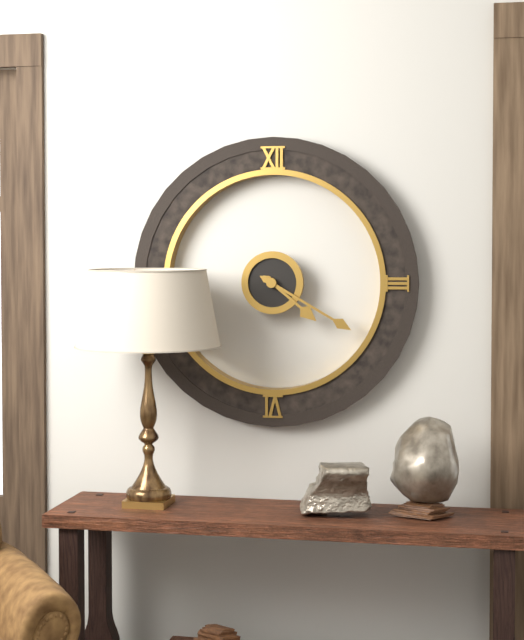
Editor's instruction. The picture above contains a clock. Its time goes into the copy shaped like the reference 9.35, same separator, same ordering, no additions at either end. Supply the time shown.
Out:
4.20
